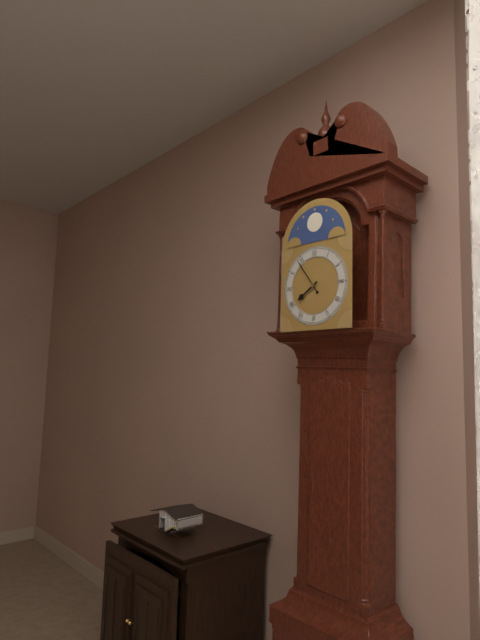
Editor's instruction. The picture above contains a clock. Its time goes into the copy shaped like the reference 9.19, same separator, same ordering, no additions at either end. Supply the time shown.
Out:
7.54
